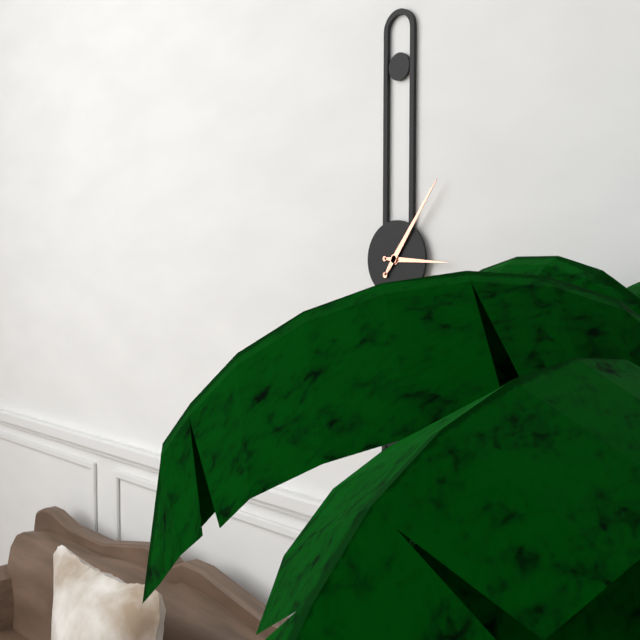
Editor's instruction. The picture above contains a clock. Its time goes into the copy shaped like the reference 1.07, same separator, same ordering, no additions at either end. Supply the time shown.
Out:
3.06
